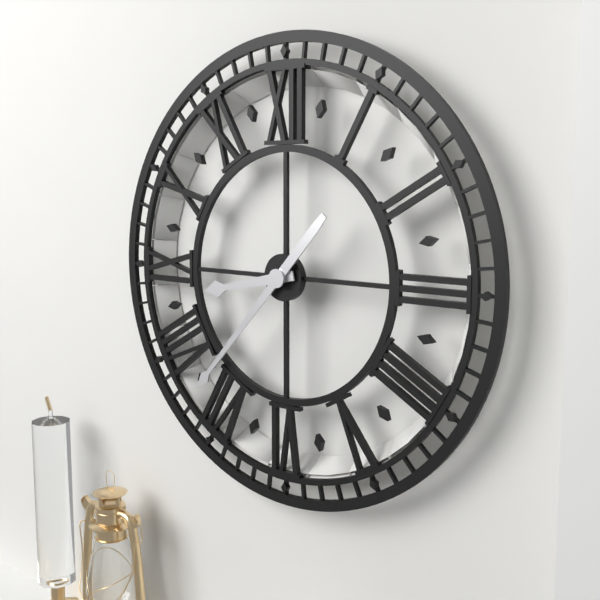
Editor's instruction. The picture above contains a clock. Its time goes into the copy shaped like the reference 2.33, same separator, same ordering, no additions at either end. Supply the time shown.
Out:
8.37
